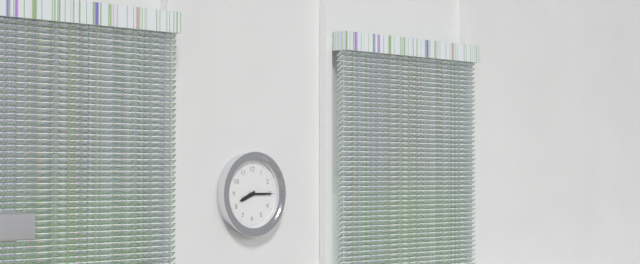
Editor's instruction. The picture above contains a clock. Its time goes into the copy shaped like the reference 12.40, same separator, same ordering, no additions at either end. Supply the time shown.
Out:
8.15
